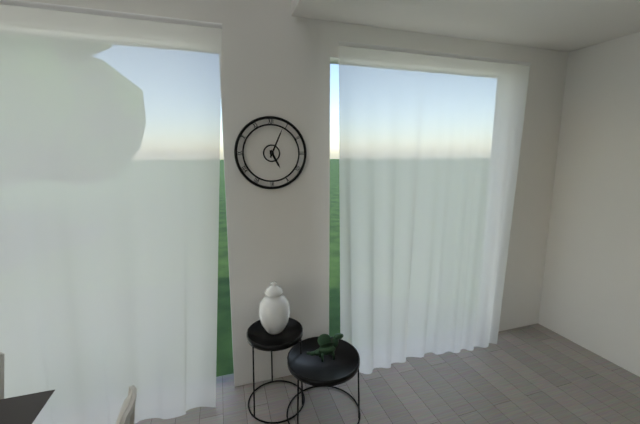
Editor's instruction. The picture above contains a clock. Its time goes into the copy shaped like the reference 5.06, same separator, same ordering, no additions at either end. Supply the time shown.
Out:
5.04
